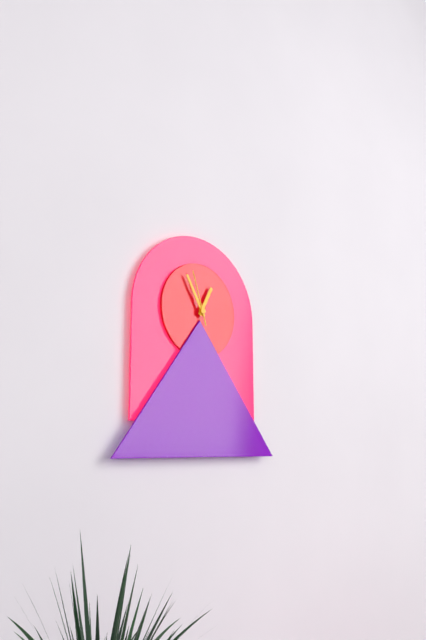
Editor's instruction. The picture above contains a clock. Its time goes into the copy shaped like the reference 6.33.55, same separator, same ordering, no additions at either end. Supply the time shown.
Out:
12.55.57
